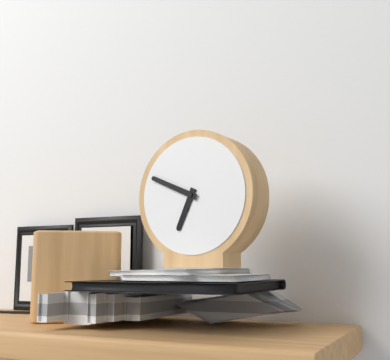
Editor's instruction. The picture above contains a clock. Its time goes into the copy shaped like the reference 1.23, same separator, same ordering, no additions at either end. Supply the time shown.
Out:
6.49
